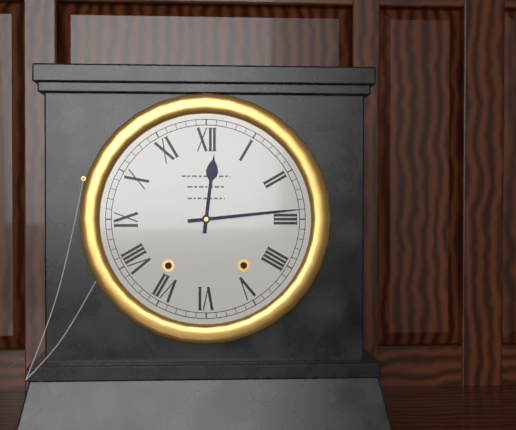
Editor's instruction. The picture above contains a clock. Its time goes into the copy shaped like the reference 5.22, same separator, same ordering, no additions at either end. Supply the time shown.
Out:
12.14
